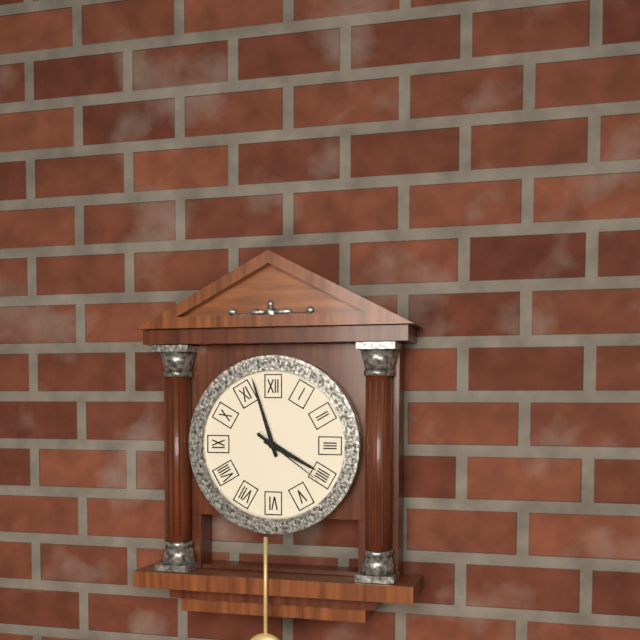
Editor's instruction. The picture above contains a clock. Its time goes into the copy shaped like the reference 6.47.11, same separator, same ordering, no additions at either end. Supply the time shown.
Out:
3.57.21
